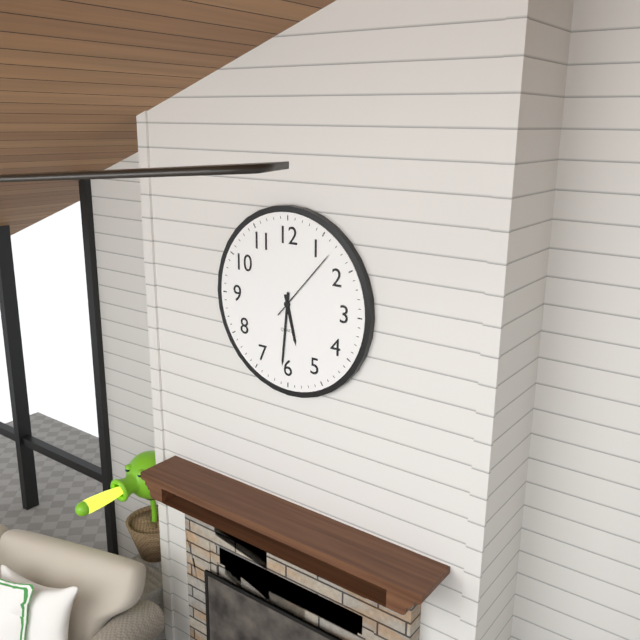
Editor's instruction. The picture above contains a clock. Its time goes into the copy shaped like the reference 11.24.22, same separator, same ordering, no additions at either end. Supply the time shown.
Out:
5.31.07
